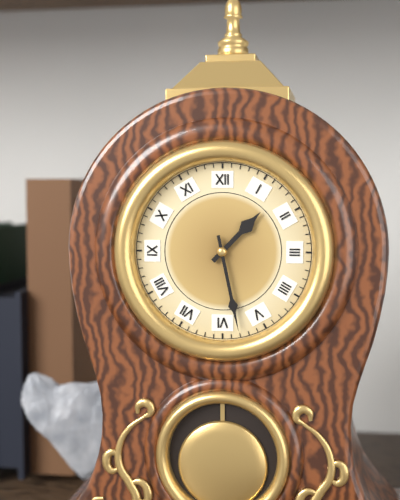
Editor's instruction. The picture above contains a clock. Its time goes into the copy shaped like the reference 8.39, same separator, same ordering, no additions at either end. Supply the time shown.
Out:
1.28
